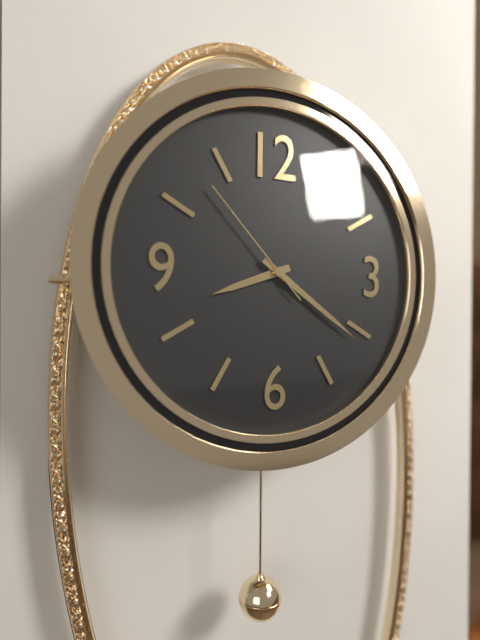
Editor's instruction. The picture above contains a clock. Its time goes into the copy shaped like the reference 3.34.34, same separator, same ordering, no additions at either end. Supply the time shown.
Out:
8.21.53
